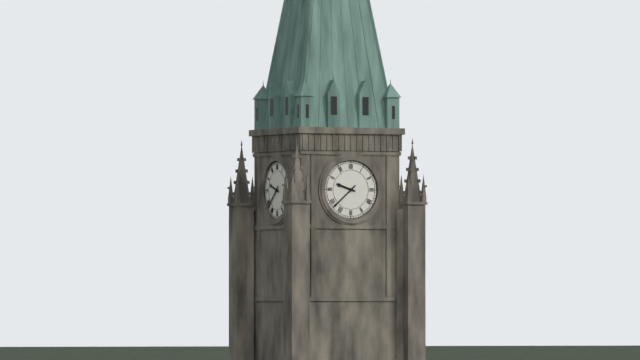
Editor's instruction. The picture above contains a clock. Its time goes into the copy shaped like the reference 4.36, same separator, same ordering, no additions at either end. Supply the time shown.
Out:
9.38
